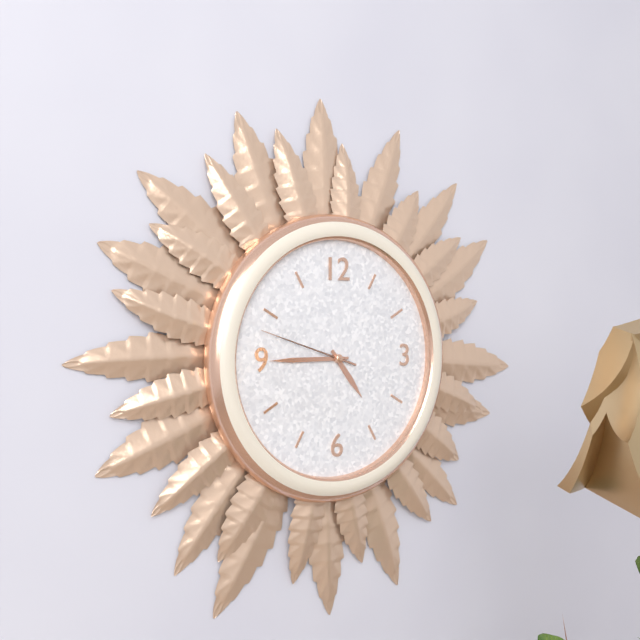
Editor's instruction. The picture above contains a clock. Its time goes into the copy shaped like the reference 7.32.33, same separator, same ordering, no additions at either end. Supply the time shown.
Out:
4.45.48
